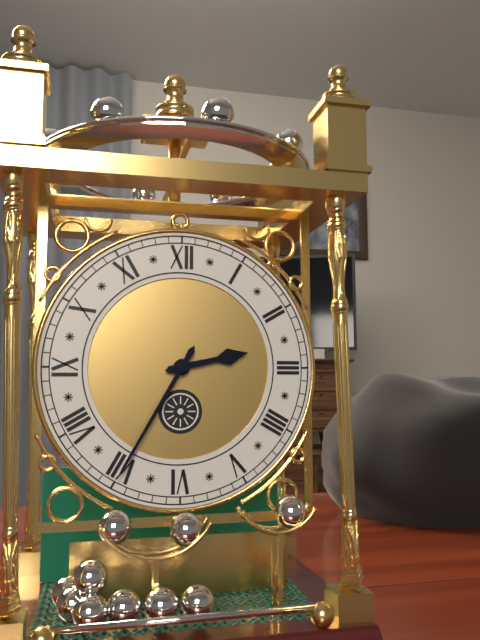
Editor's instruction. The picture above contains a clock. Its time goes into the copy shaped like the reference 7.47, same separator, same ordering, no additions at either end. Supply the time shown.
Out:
2.35
